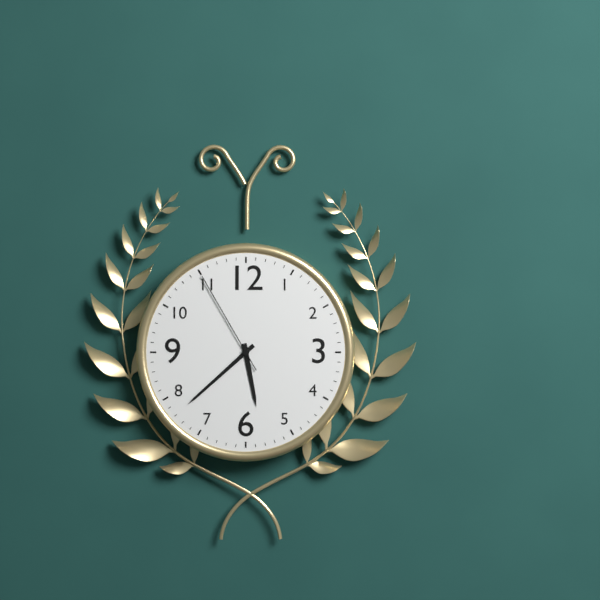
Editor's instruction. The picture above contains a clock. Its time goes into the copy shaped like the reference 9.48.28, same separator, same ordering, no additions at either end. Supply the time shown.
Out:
5.38.55
